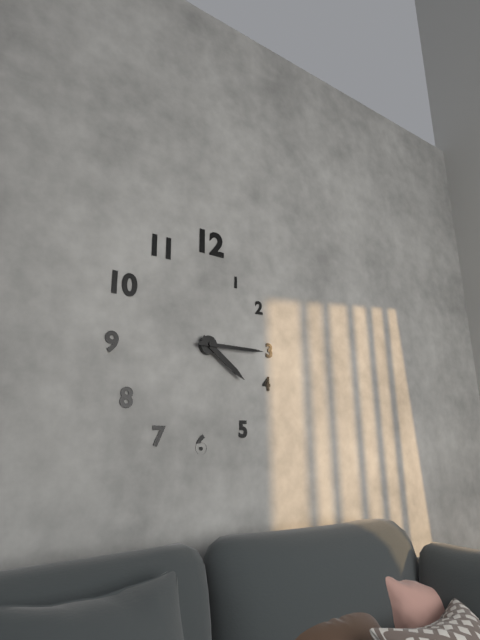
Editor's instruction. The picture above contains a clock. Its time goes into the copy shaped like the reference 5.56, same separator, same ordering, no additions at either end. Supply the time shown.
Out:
4.15
